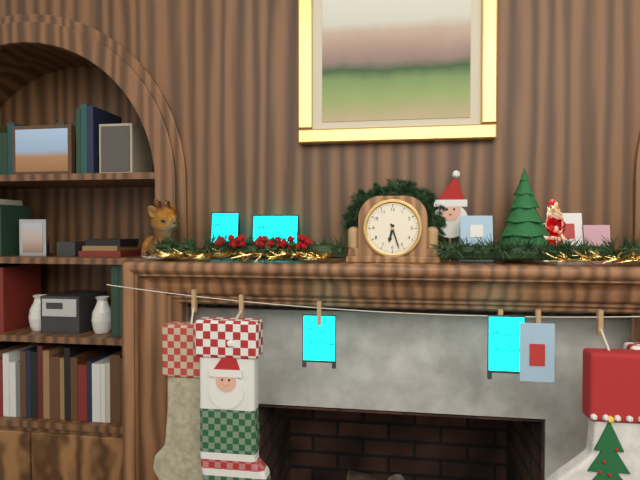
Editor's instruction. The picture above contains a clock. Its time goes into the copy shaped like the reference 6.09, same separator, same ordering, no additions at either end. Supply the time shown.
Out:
6.27
